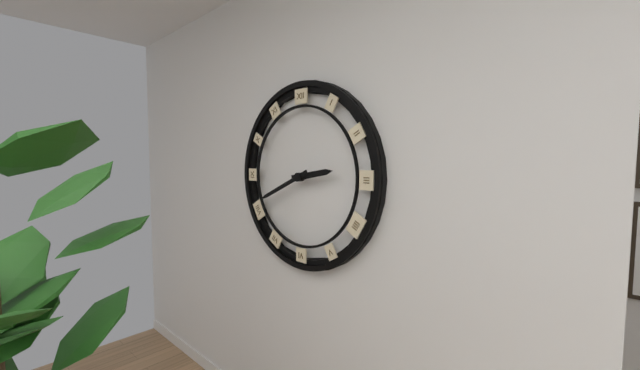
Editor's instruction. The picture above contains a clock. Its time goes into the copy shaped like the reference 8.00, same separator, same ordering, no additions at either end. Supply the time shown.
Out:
2.41
